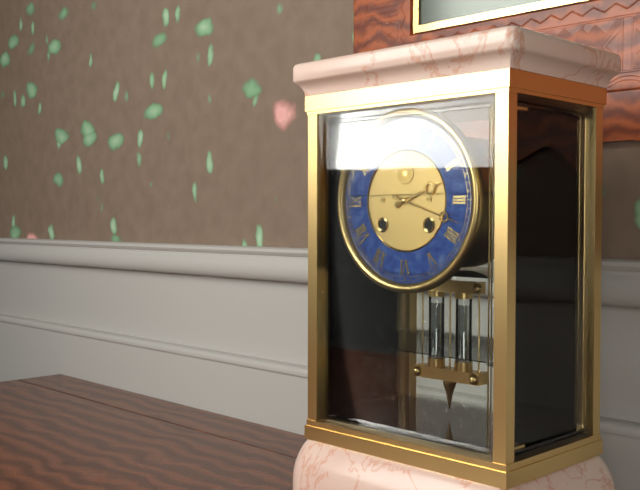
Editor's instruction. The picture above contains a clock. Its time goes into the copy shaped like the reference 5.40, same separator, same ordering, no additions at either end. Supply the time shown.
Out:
2.18
